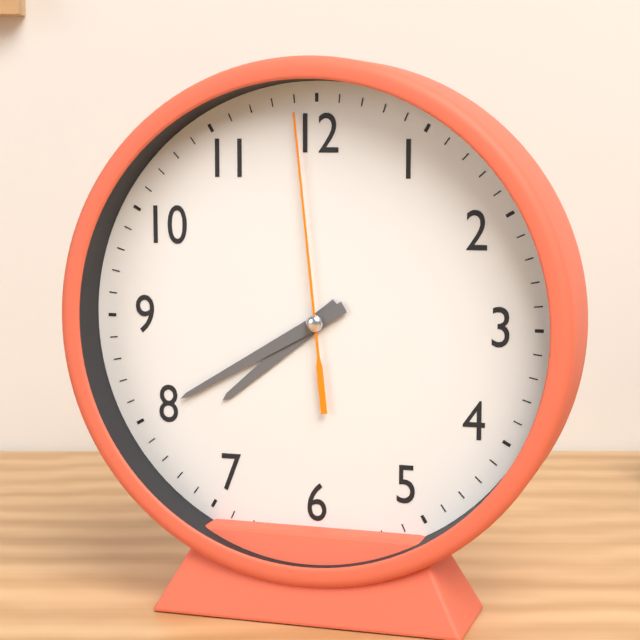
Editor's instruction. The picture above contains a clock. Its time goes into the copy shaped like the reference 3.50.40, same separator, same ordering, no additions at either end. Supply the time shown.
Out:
7.40.59
